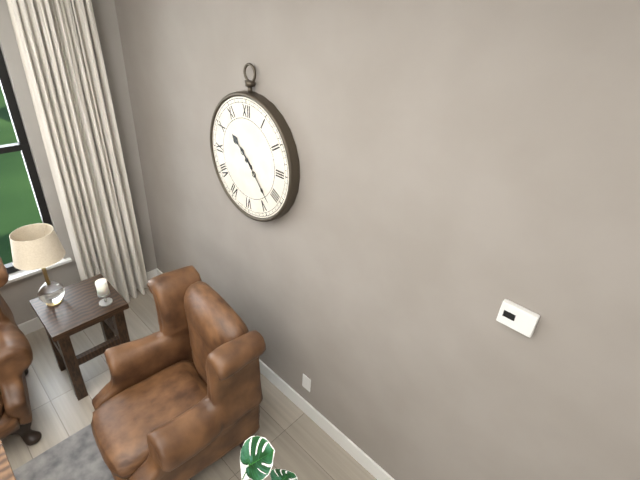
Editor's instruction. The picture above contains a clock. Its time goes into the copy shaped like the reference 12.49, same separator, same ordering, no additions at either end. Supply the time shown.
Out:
10.23
